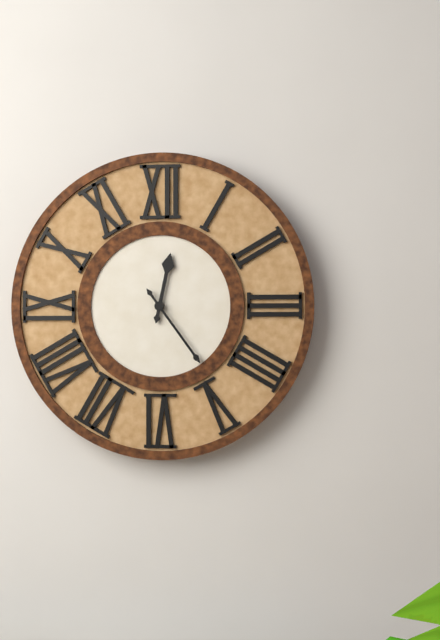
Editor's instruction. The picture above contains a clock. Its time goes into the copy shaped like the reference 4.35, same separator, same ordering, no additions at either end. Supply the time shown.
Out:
12.24
